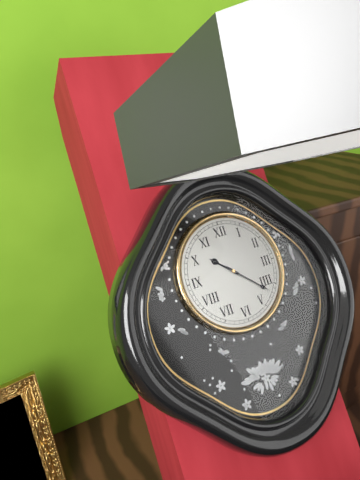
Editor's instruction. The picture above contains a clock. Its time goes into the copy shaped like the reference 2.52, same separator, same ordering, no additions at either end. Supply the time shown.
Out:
10.22
